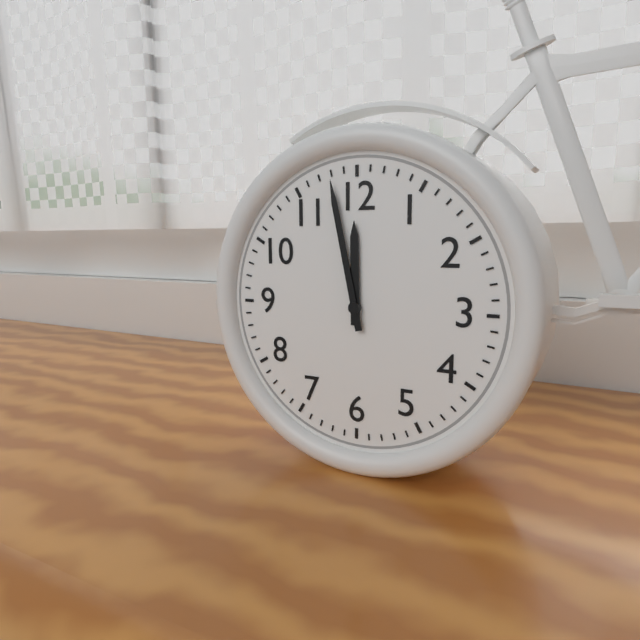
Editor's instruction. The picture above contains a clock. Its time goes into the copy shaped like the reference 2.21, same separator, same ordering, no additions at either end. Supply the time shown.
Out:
11.58
